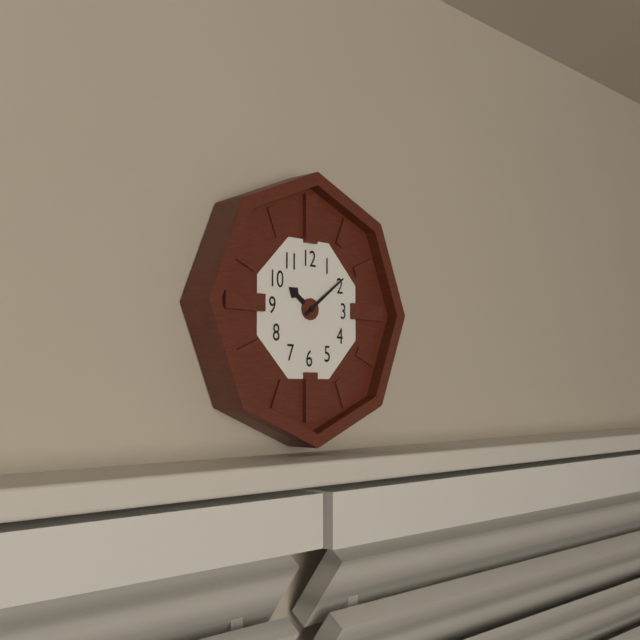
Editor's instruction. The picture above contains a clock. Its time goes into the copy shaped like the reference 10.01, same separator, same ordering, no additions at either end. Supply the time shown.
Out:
10.09
